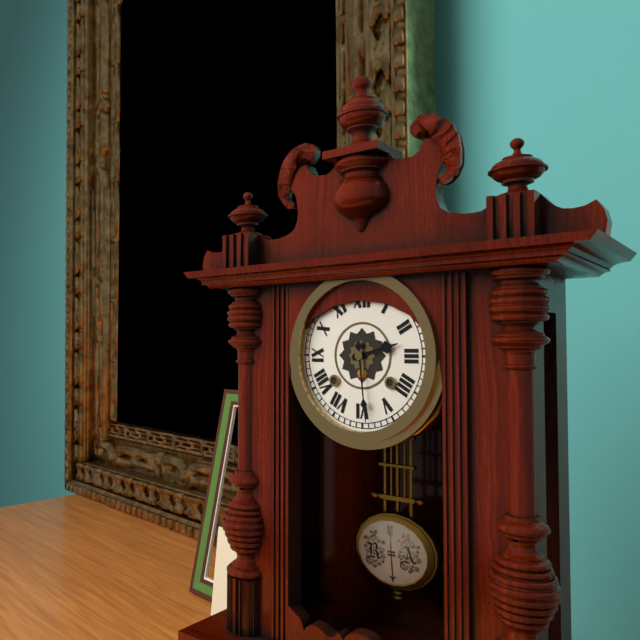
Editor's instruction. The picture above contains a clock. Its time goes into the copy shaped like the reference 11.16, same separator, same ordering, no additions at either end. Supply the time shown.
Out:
2.29
